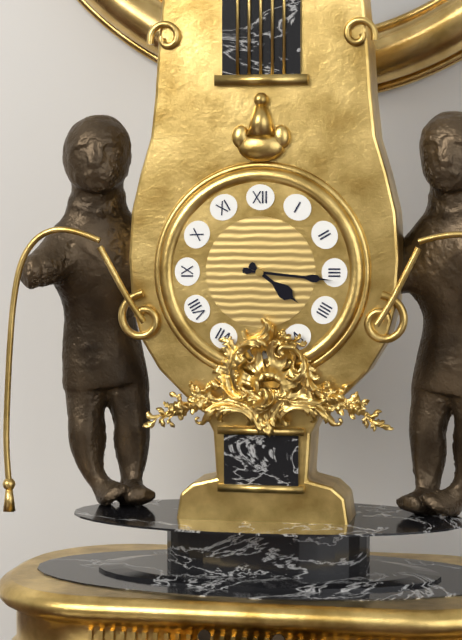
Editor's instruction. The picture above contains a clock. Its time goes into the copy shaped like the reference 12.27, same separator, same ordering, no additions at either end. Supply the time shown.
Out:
4.16
